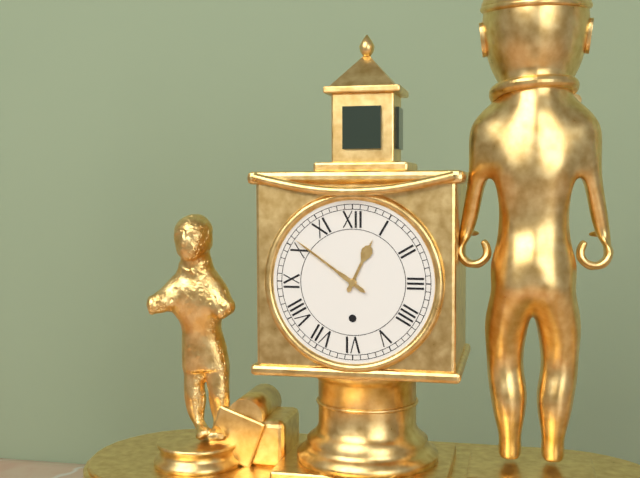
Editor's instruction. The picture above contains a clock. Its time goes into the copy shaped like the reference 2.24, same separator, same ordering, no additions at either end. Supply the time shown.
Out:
12.51
